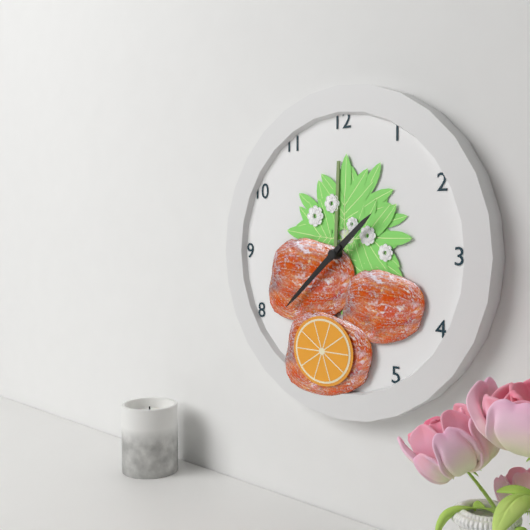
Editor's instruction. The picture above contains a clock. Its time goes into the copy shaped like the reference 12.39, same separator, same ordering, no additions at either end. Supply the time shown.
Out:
1.38
